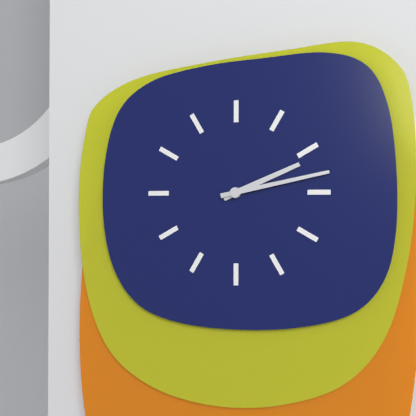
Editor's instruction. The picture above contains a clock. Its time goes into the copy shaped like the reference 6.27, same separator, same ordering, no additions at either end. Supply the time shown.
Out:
2.13
